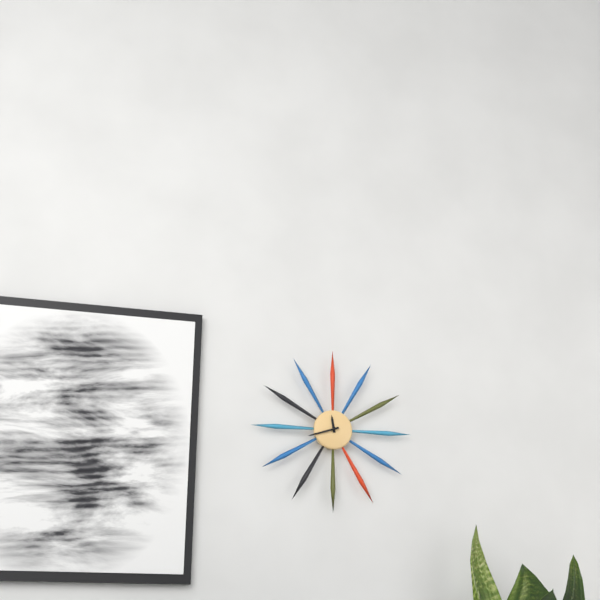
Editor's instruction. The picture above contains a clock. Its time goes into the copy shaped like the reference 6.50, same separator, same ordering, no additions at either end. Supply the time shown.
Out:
11.42
